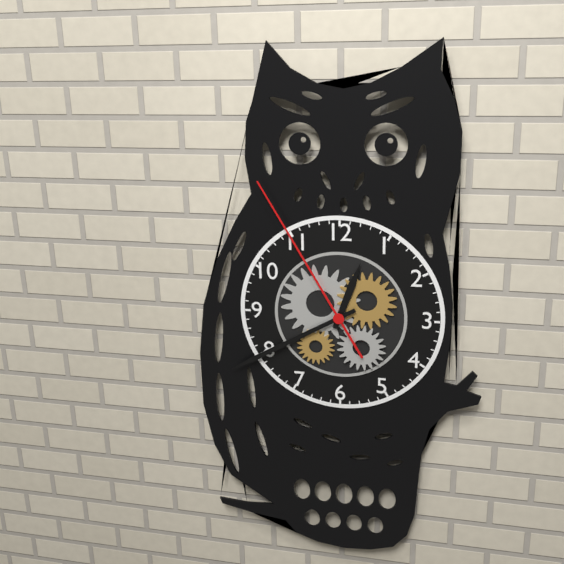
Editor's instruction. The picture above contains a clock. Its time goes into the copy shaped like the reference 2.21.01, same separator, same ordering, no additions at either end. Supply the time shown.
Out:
12.40.55
